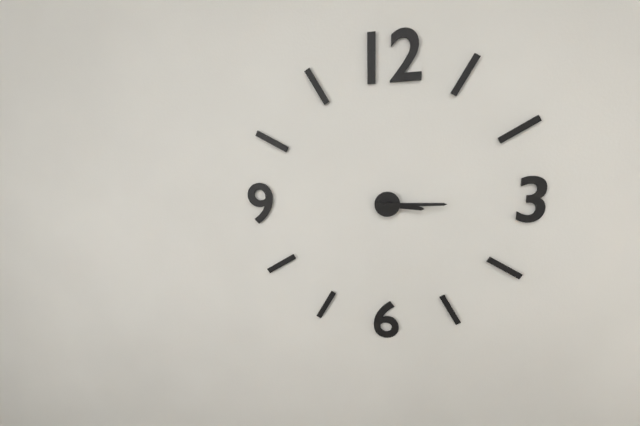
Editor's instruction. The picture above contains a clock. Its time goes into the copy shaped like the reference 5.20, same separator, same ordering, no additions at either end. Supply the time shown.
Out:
3.15
